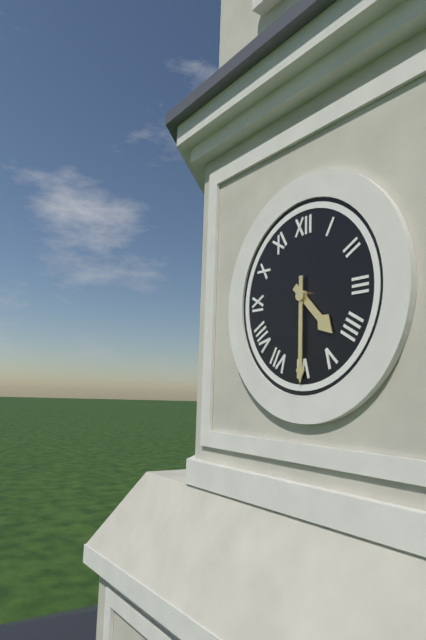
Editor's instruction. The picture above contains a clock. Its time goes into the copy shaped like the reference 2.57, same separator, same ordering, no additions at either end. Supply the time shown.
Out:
4.30
